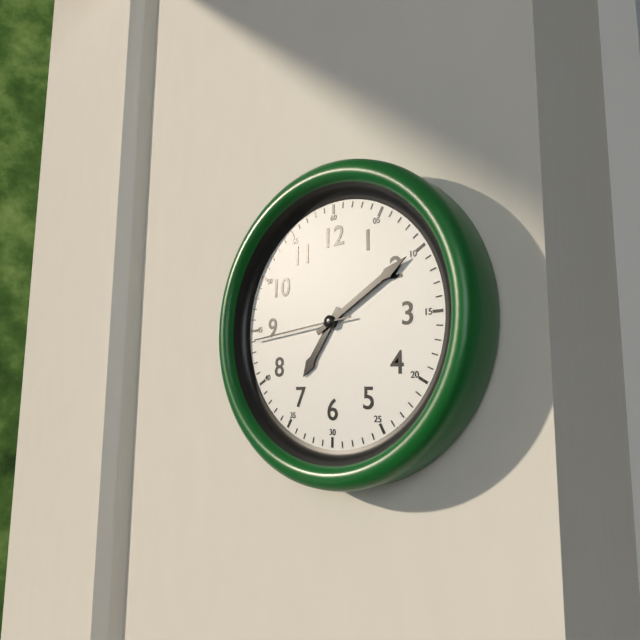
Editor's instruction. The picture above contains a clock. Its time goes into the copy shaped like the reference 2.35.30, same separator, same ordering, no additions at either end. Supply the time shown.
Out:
7.10.44
